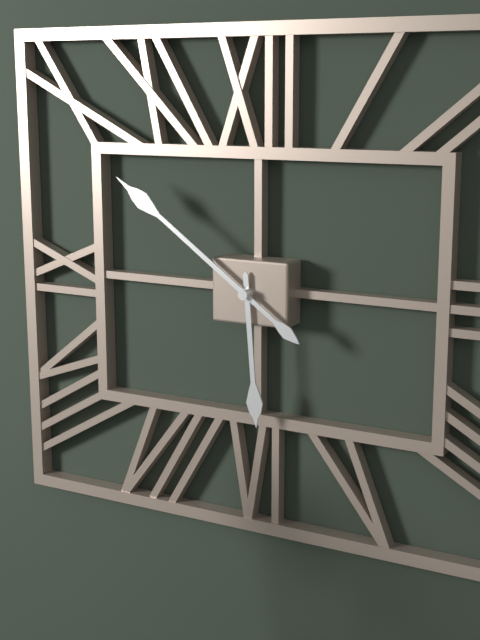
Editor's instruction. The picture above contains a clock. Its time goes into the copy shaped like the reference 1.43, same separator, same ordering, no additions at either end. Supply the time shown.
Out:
5.51
